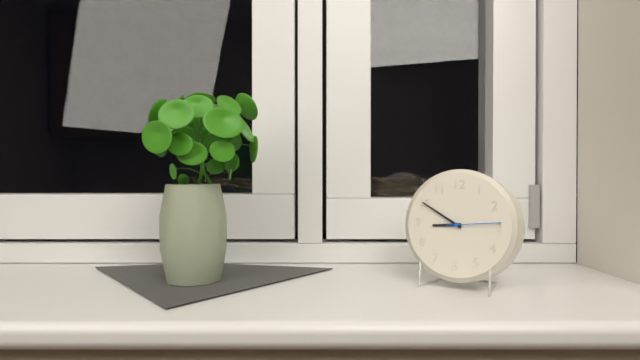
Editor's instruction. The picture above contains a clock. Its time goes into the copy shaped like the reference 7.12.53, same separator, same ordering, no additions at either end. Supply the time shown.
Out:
8.50.14
